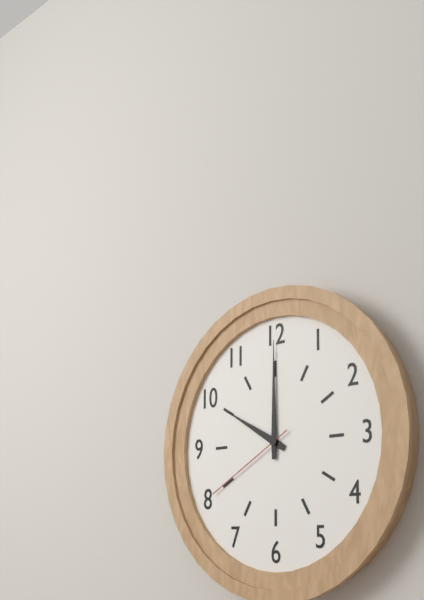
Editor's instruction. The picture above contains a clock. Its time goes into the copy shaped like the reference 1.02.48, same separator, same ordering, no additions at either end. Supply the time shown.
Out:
10.00.40
